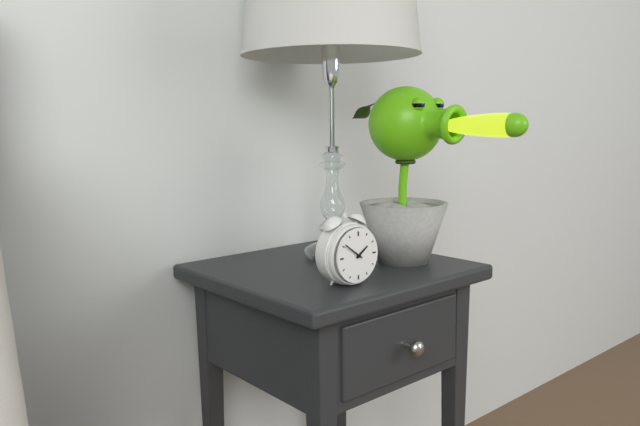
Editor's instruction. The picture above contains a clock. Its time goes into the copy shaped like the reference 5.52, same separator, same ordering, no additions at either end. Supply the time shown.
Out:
1.51
